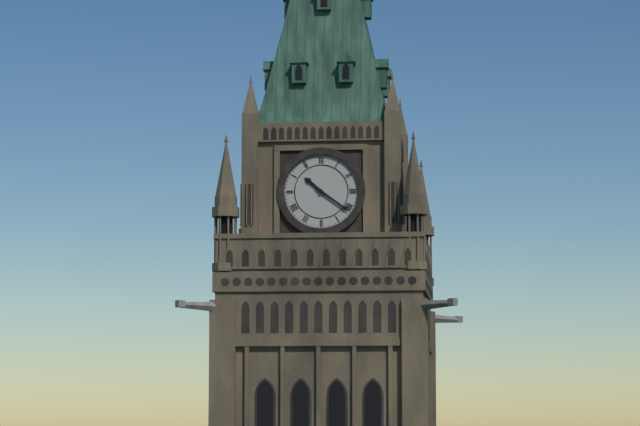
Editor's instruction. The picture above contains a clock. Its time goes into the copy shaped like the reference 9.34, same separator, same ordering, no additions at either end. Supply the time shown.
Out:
10.21
